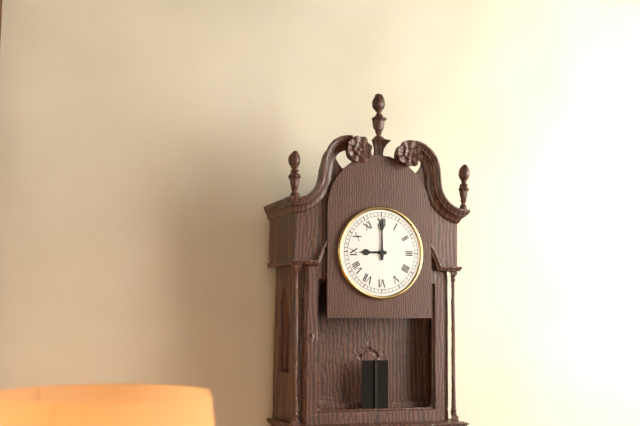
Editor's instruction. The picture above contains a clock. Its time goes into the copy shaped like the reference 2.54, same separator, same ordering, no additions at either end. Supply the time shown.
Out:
9.00
